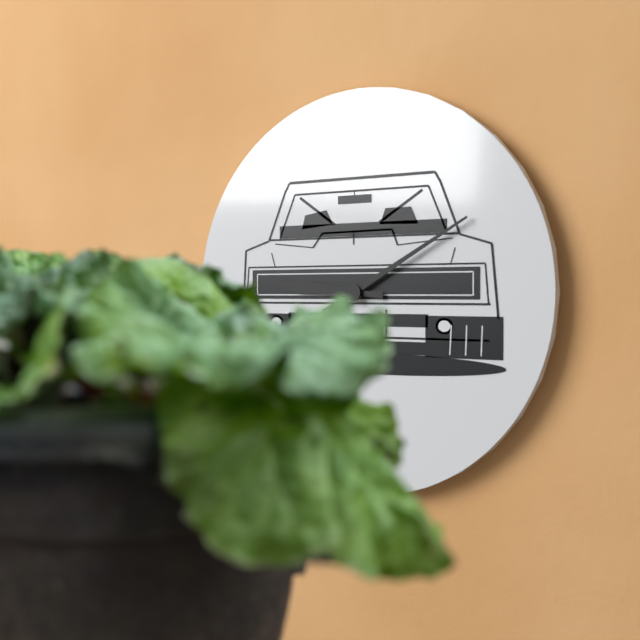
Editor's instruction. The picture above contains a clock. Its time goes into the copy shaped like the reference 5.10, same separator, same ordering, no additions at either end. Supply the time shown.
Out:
9.10
